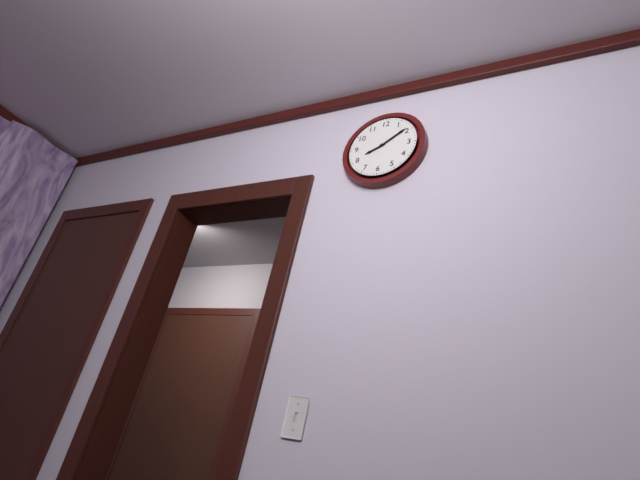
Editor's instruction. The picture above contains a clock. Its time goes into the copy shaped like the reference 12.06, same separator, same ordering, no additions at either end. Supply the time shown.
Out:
8.09
